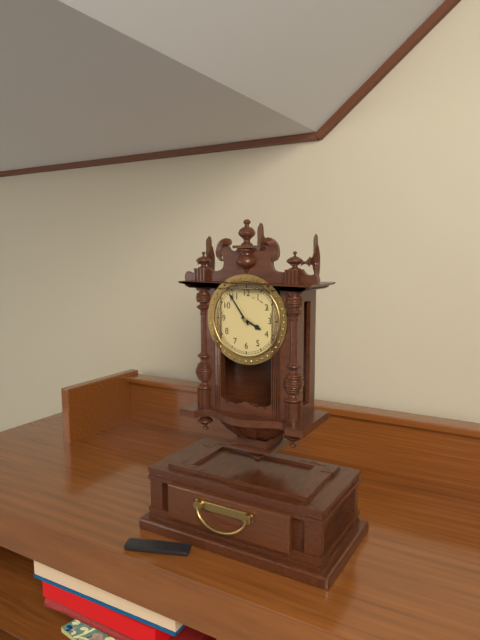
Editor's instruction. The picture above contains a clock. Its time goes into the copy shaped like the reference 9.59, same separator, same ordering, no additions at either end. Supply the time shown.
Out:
3.54
